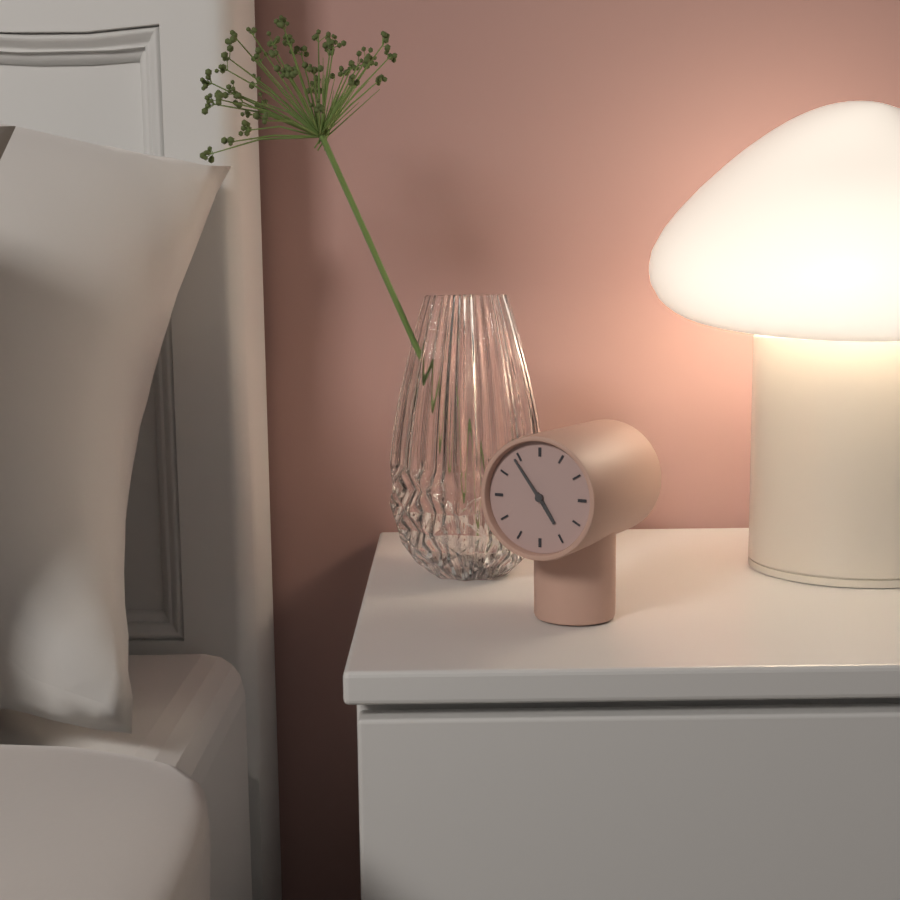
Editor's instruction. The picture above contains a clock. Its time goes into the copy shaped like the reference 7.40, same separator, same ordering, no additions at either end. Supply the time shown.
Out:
4.54
